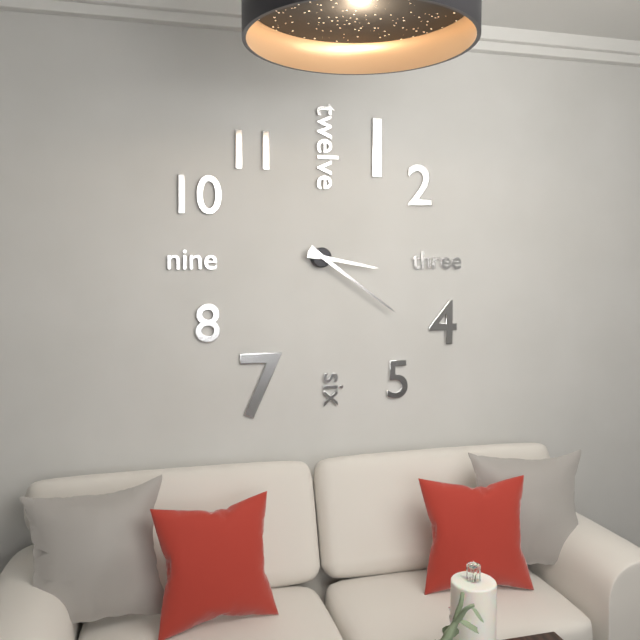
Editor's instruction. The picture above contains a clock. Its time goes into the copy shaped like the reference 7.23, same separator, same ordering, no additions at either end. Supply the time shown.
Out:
3.21
